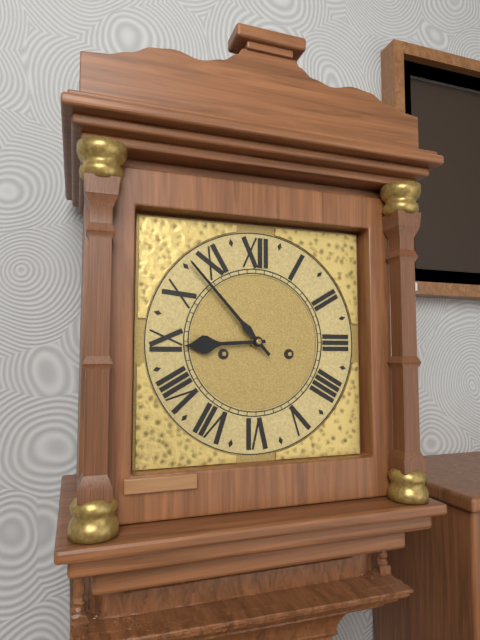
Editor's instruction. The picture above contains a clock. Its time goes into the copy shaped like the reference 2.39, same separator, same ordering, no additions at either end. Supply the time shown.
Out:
8.53
